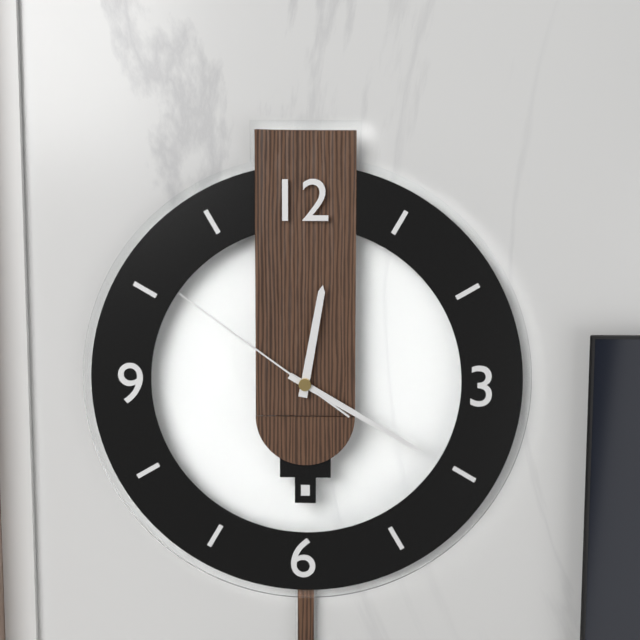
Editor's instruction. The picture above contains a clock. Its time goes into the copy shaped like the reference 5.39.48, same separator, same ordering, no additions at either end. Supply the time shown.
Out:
12.20.51
